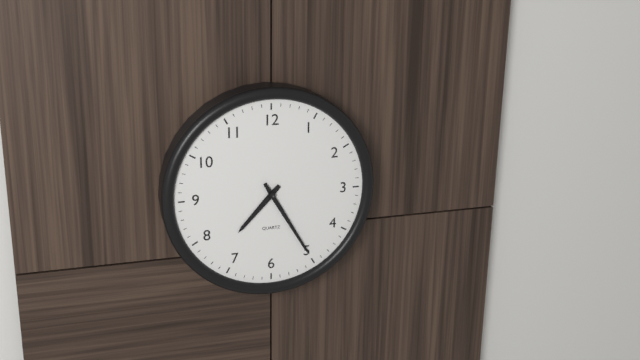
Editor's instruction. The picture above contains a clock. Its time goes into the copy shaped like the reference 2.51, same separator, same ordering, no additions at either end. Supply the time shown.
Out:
7.25
